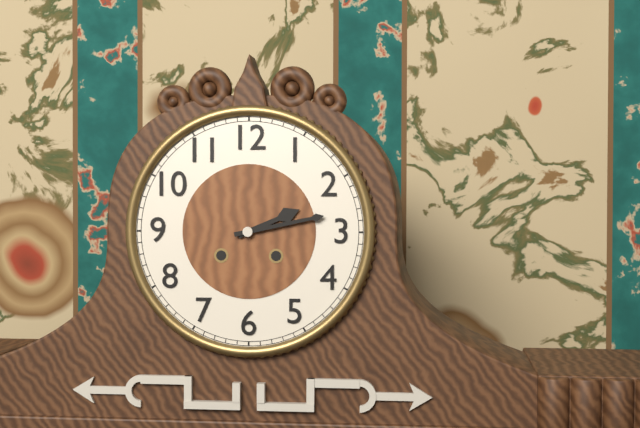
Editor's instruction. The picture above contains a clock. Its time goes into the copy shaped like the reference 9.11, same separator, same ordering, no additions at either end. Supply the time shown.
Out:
2.13
